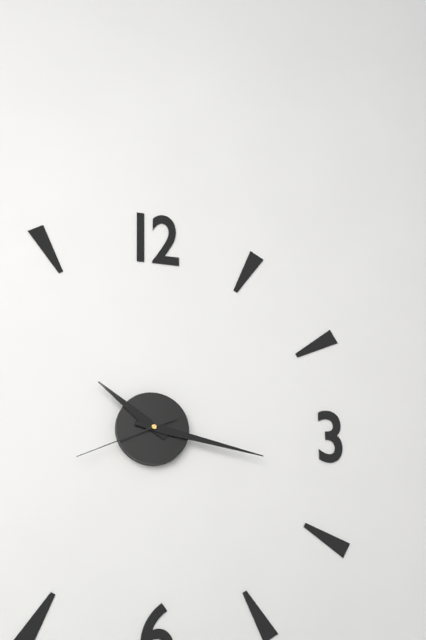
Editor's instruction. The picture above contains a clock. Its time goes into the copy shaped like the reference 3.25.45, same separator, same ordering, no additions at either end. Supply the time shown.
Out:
10.17.41
